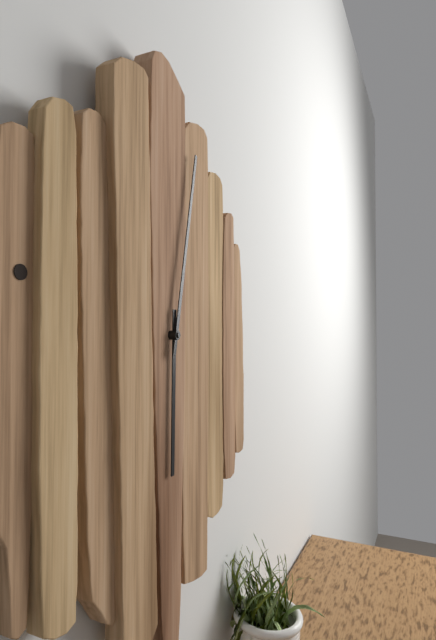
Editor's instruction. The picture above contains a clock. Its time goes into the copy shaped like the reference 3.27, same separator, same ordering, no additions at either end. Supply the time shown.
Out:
6.02
